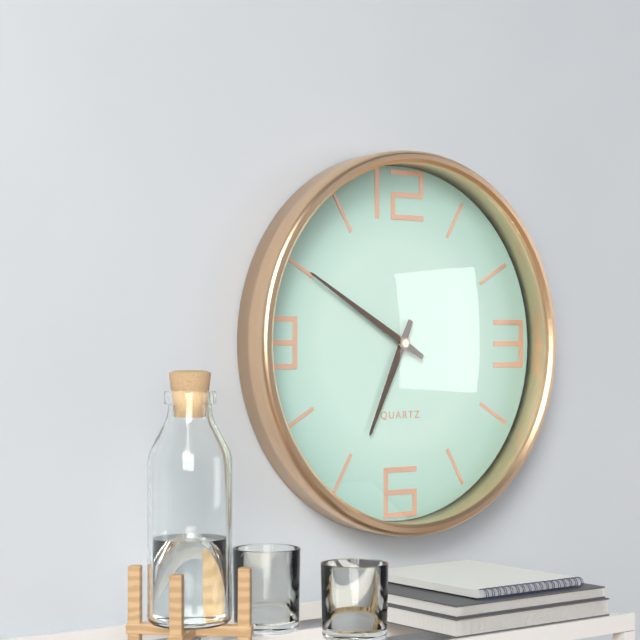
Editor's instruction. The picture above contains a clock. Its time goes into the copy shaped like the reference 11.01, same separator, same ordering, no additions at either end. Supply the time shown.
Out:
6.50
